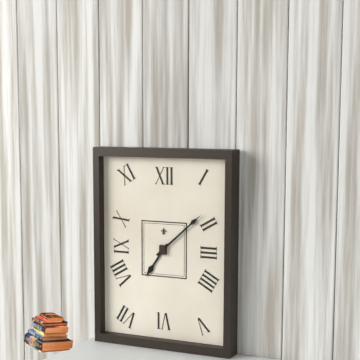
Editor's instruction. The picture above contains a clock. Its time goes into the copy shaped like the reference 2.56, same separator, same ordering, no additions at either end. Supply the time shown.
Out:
7.08
